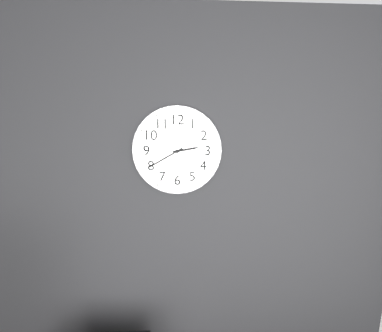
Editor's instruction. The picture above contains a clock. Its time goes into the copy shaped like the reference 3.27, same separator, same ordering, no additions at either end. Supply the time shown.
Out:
2.40
